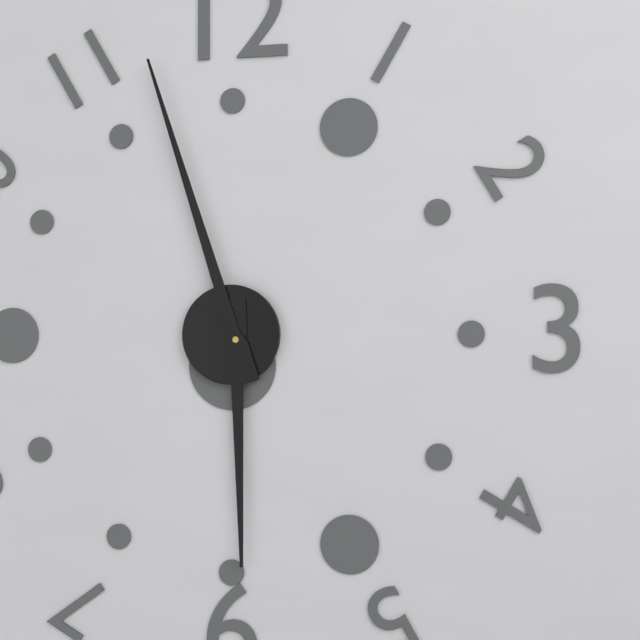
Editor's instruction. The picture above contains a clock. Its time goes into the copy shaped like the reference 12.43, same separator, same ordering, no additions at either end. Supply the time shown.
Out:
5.57
